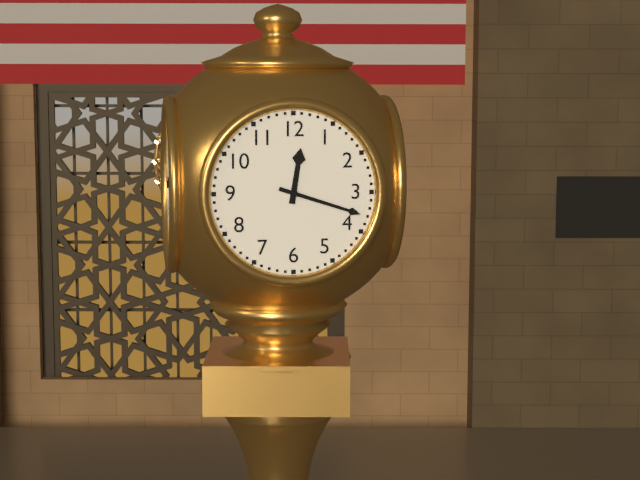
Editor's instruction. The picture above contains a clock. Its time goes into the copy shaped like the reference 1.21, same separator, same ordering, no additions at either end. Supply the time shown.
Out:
12.18
